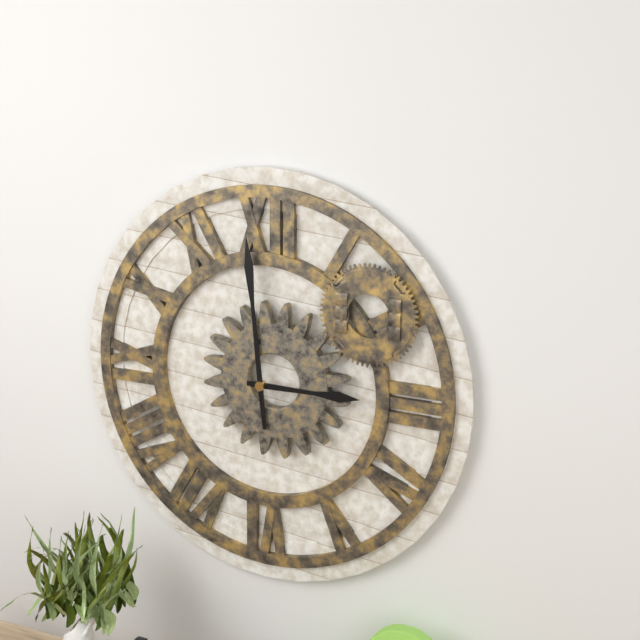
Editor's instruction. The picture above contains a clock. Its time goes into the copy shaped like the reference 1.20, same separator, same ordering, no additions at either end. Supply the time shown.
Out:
2.59
